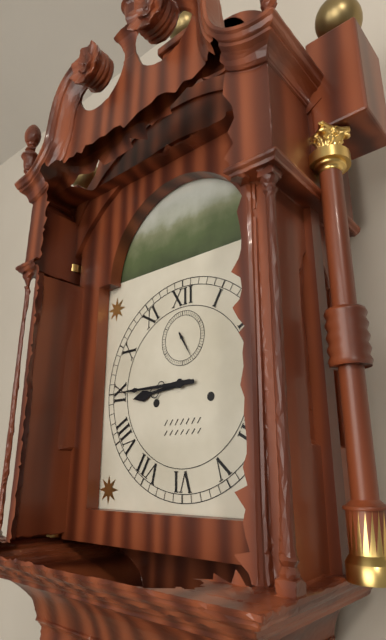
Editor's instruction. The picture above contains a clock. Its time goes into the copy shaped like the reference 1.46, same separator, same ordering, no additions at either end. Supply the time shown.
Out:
8.45
